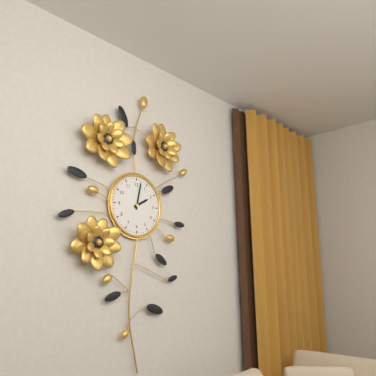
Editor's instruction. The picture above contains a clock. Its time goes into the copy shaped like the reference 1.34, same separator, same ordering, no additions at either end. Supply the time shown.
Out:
2.02
